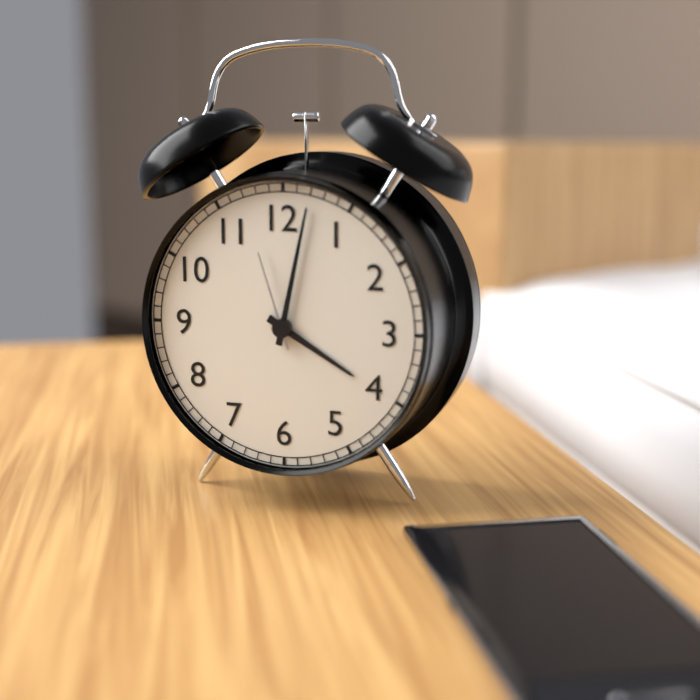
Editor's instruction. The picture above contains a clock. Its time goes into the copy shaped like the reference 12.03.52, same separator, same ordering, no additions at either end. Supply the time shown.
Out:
4.02.57
